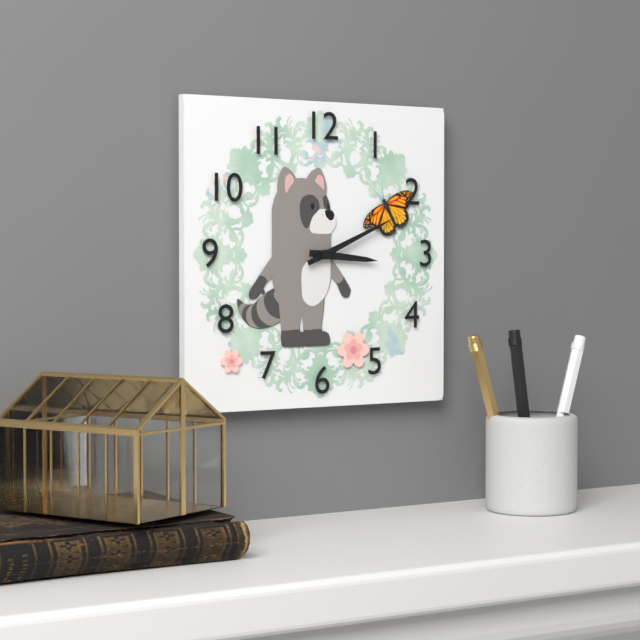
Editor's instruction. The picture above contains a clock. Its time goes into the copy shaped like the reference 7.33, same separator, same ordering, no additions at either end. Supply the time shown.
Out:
3.11
